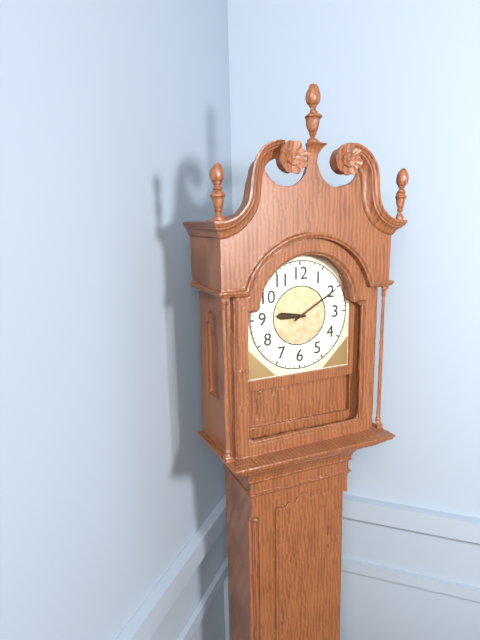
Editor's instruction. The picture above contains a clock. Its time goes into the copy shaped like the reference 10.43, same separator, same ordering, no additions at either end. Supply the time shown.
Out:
9.10
